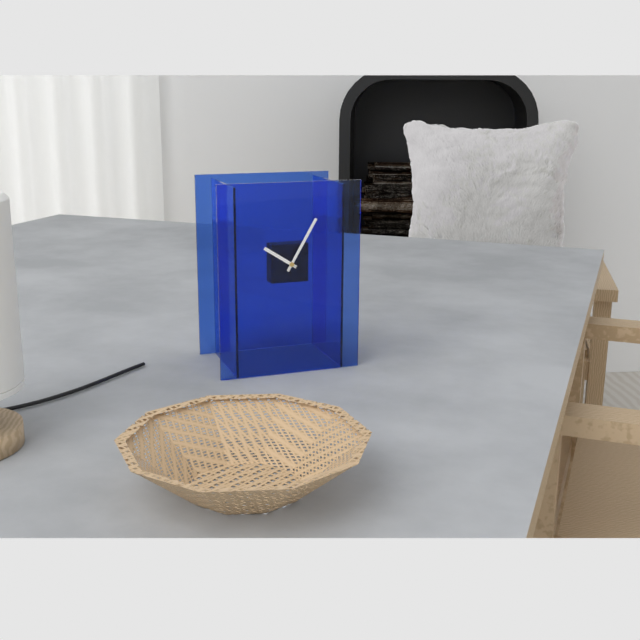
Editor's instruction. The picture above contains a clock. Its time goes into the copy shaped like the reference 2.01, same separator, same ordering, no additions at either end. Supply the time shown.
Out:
10.05
